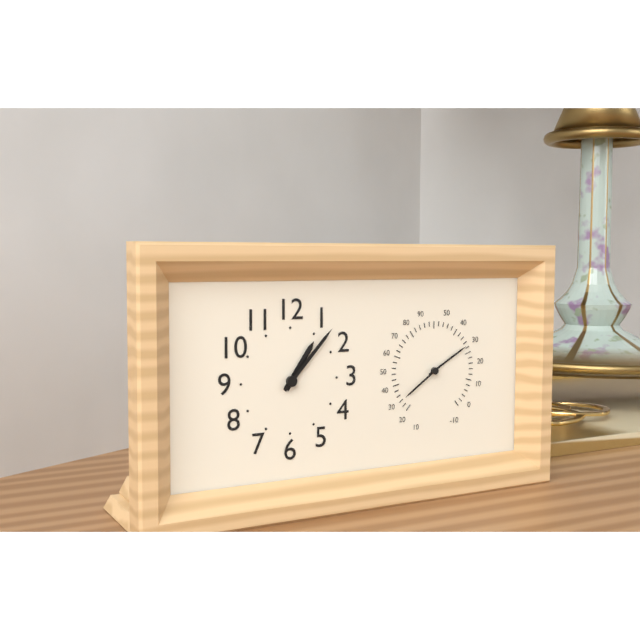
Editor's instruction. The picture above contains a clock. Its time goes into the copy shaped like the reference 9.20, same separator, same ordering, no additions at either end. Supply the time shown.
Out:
1.07
